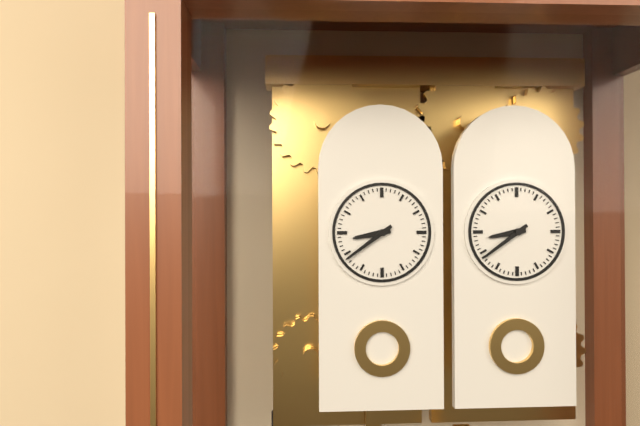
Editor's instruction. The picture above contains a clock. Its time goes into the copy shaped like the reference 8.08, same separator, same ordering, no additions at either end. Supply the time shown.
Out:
8.39
